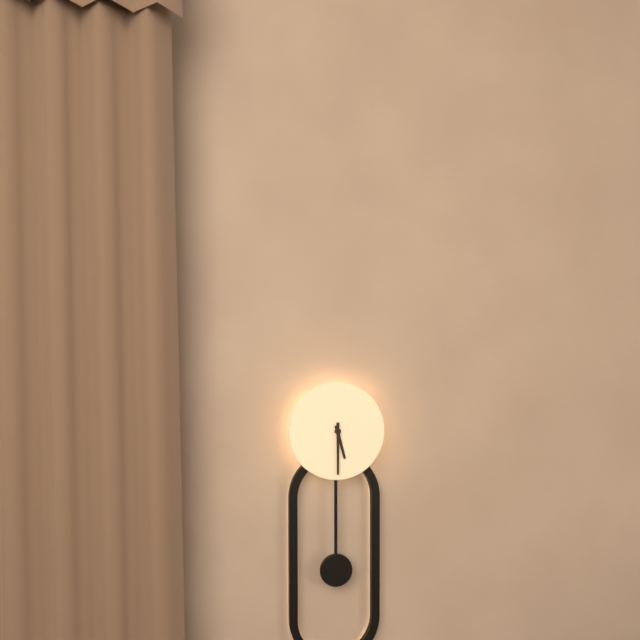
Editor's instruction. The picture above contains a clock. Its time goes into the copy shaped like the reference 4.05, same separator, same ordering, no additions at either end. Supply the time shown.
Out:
5.30
